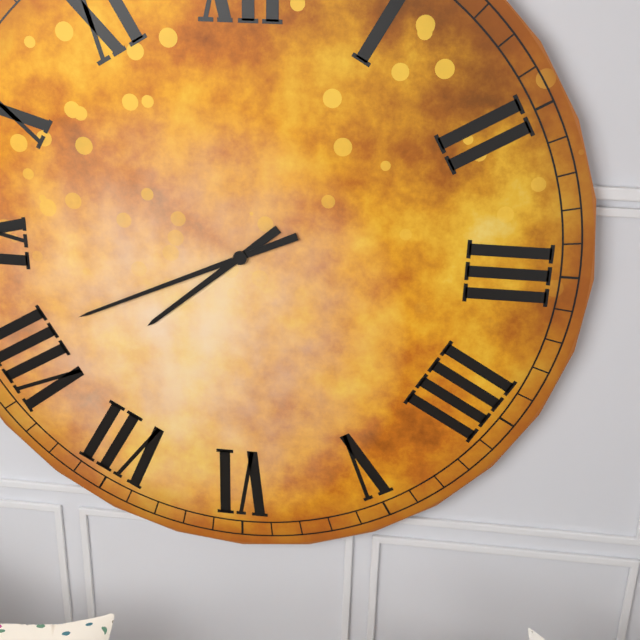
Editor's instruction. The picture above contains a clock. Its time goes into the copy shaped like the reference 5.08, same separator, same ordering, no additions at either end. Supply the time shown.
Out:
7.41
